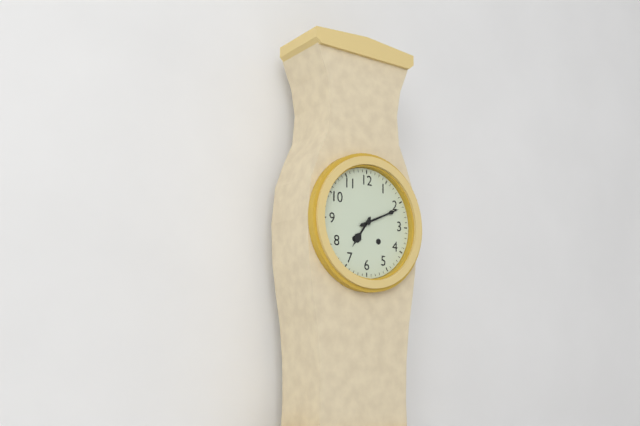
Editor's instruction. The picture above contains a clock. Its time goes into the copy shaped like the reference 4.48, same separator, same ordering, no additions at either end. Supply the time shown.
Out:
7.11
